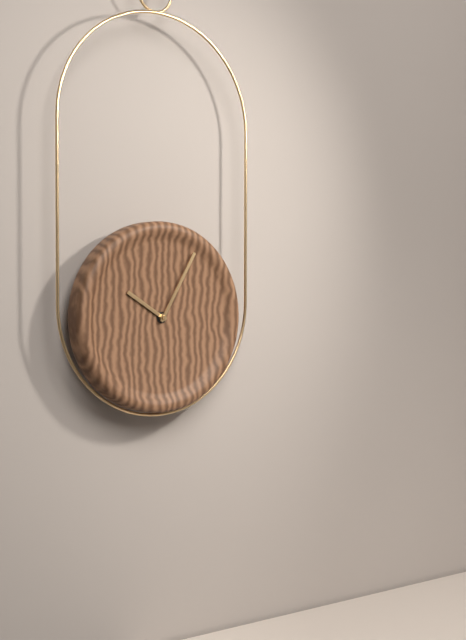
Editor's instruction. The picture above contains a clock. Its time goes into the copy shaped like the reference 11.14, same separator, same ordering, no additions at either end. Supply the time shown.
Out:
10.05
